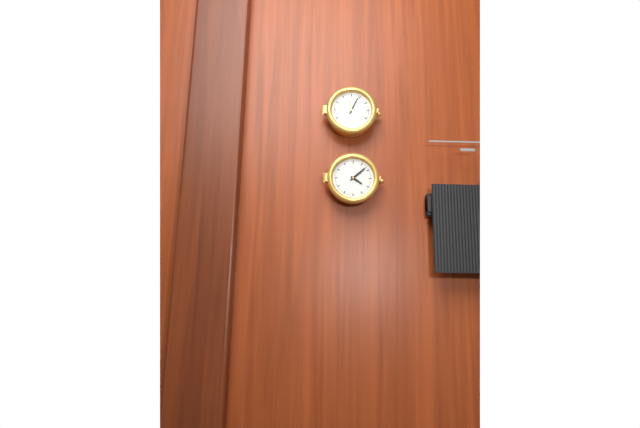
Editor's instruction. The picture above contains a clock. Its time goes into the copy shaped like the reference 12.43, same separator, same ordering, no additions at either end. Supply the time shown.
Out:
4.08
